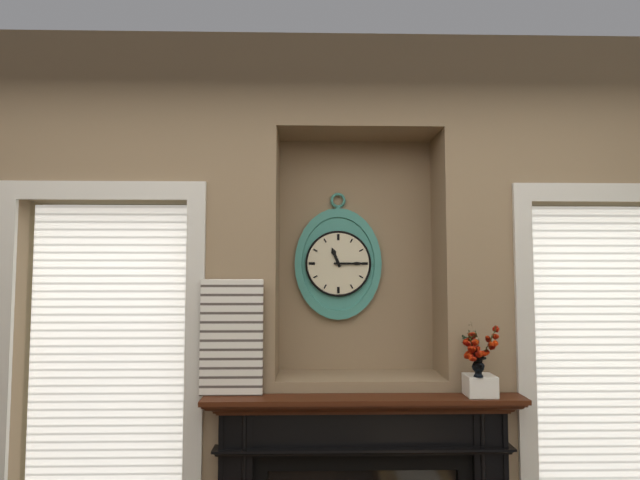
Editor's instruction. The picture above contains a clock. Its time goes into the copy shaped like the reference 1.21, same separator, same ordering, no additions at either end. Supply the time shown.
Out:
11.15
